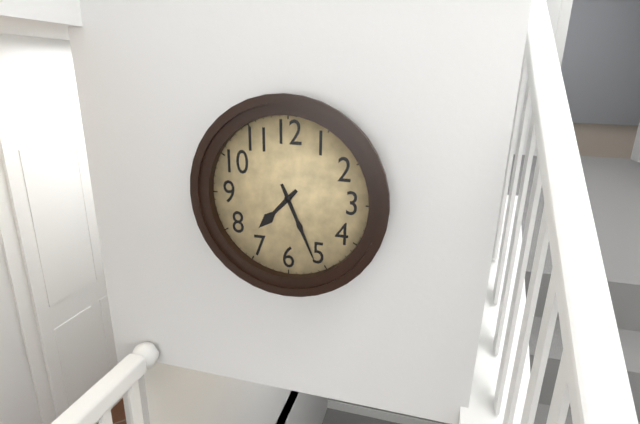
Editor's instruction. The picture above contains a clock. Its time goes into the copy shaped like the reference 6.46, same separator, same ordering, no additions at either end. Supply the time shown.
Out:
7.26
